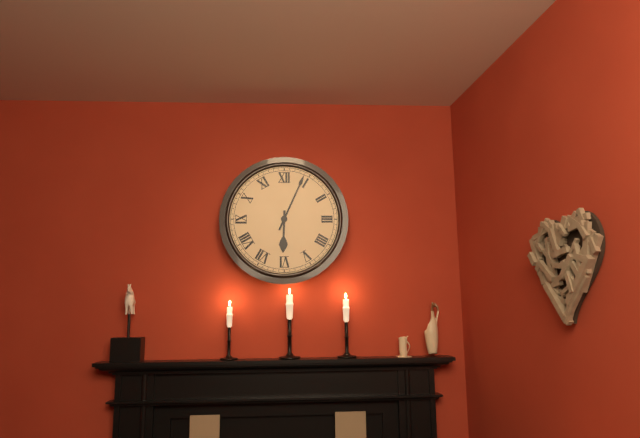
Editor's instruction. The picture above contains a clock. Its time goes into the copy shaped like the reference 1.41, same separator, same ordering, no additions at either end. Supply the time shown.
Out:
6.04
